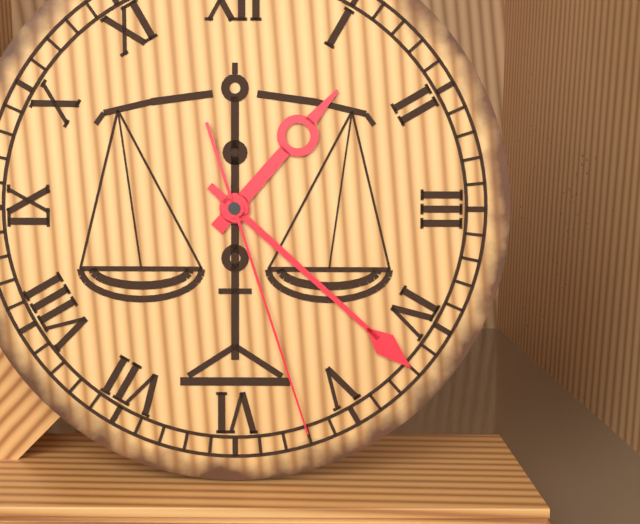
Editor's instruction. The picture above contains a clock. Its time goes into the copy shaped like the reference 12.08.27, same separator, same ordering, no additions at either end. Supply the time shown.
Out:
1.22.27
